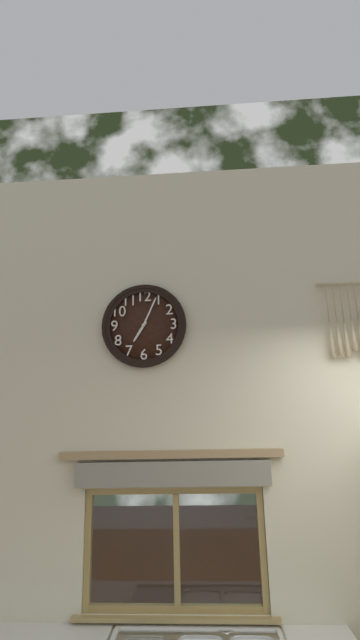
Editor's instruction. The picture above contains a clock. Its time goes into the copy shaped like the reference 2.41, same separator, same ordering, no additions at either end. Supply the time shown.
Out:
7.04
